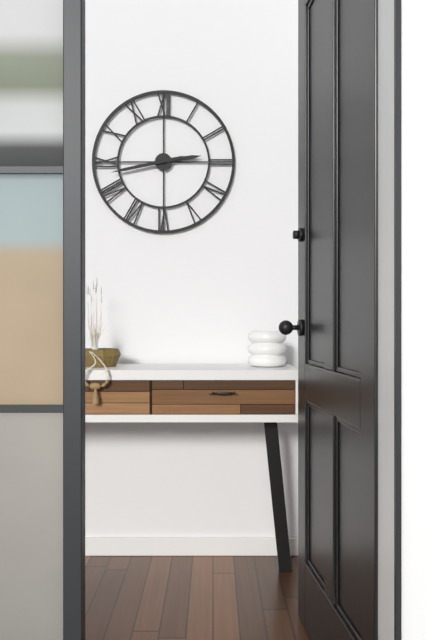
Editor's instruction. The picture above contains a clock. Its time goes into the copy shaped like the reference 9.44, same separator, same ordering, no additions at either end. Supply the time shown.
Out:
2.43
